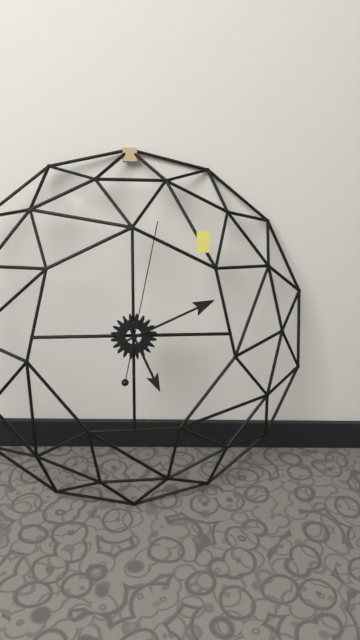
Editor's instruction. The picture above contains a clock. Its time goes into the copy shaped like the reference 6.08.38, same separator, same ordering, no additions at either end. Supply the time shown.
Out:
5.11.02
